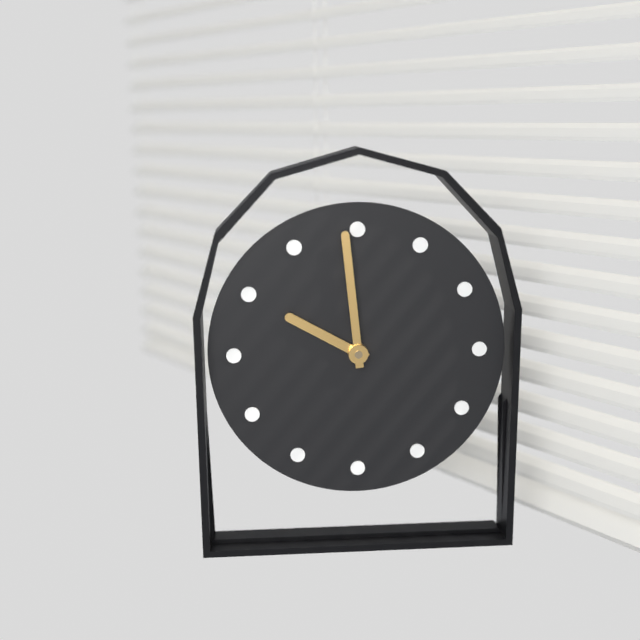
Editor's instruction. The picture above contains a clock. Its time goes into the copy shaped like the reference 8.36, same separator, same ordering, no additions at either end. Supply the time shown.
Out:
9.59
